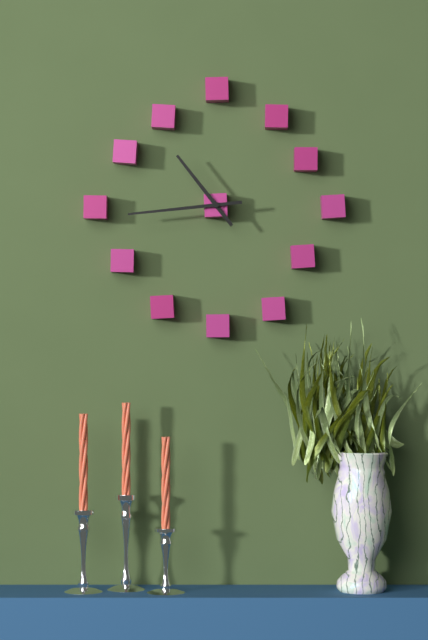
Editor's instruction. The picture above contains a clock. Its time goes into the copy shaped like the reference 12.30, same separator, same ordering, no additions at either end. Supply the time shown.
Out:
10.44
